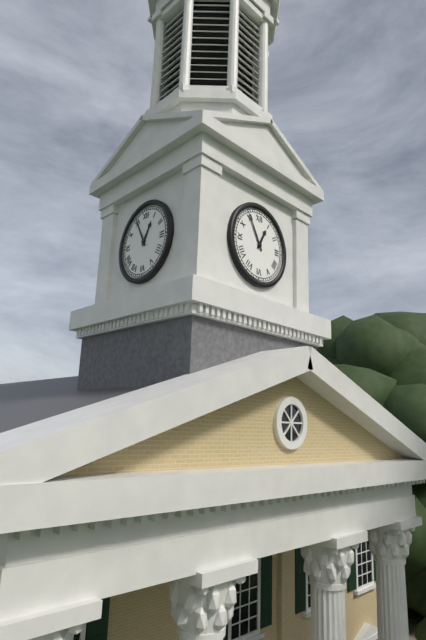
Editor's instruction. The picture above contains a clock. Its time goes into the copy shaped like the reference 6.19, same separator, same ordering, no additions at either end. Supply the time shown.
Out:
12.55
